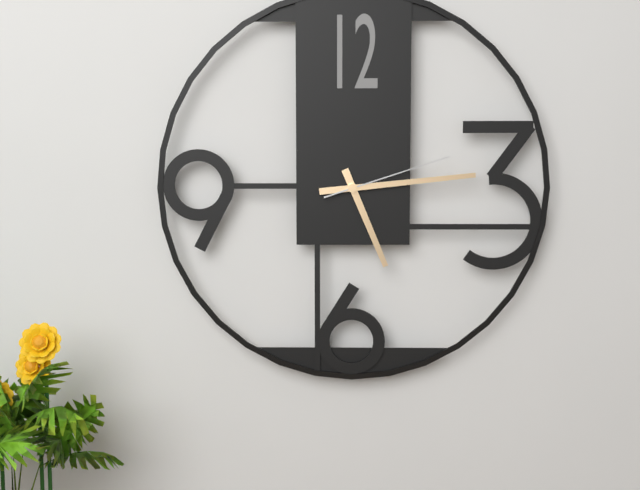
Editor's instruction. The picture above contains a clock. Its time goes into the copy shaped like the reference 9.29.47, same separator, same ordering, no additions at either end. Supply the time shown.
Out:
5.14.12
